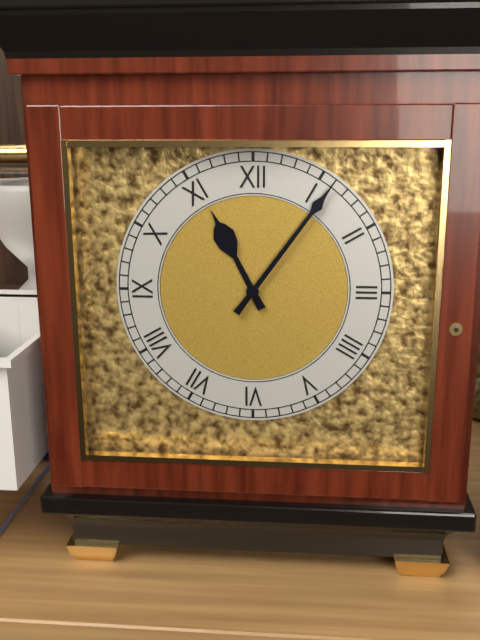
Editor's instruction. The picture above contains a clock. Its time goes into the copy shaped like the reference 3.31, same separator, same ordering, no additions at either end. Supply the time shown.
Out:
11.06
